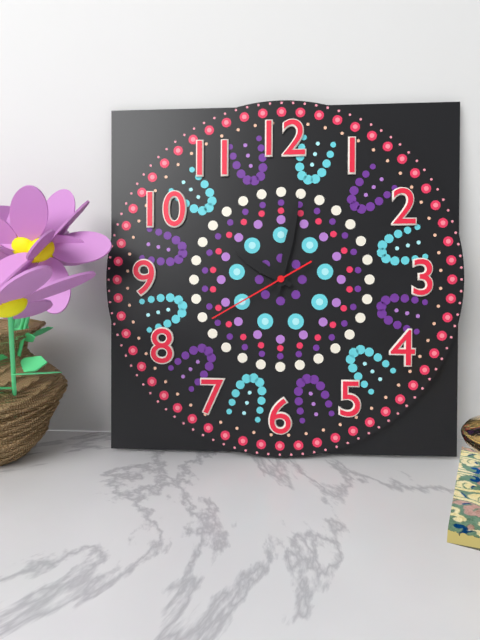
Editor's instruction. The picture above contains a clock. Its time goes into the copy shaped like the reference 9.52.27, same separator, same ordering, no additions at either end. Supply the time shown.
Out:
10.02.40
